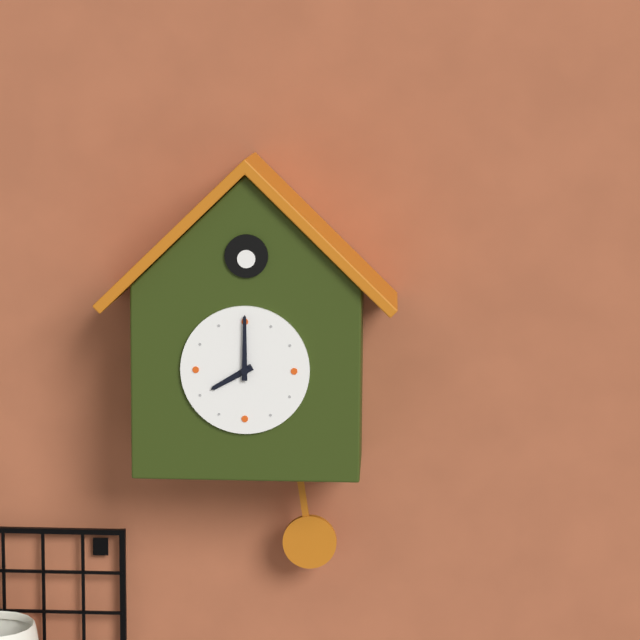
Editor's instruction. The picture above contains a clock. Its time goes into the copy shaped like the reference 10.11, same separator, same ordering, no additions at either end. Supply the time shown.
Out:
8.00
